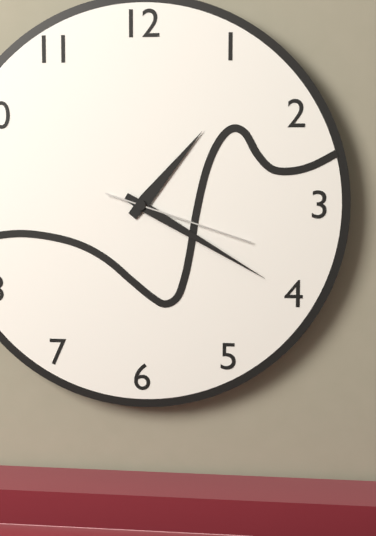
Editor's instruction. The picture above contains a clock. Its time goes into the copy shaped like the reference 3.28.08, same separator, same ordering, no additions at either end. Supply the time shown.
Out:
1.20.18
